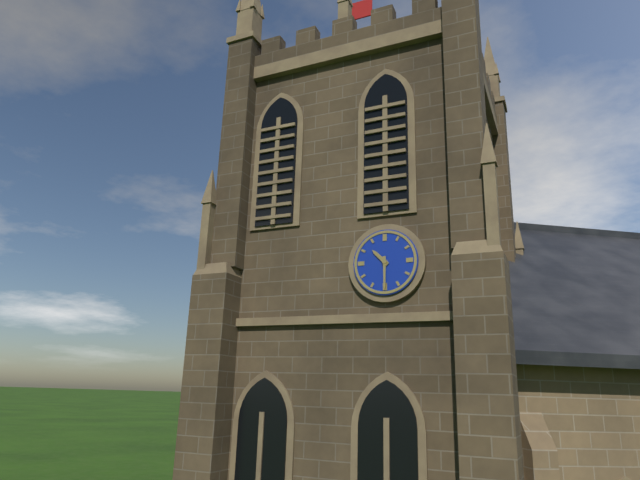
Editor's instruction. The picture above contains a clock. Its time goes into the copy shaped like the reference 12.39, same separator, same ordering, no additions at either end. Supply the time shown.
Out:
10.30
